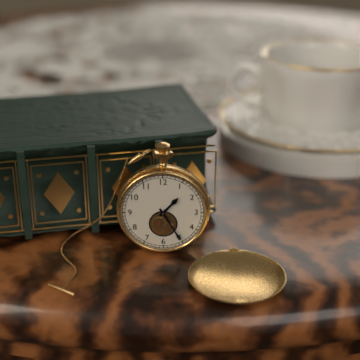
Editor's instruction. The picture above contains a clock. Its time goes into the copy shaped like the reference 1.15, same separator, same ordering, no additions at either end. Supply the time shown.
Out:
1.25
